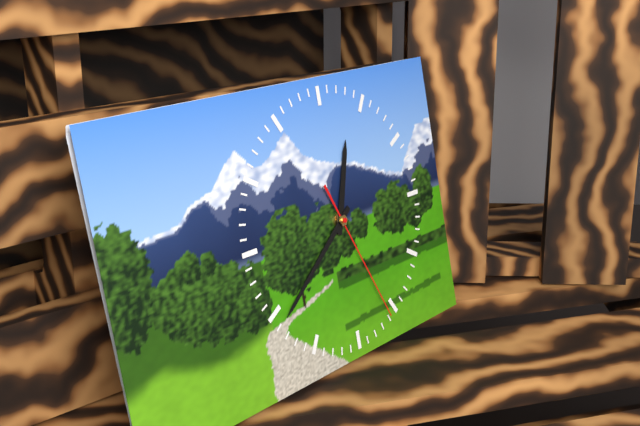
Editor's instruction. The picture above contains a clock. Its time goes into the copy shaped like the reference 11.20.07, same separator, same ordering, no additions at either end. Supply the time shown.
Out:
12.39.26
